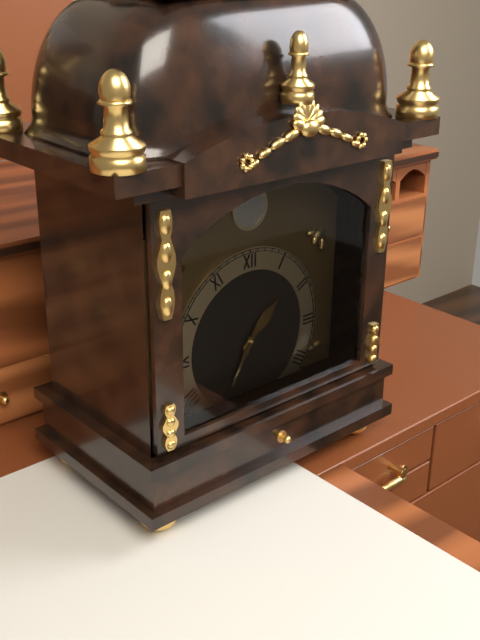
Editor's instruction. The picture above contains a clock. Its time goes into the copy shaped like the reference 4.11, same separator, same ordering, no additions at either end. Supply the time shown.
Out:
1.35
